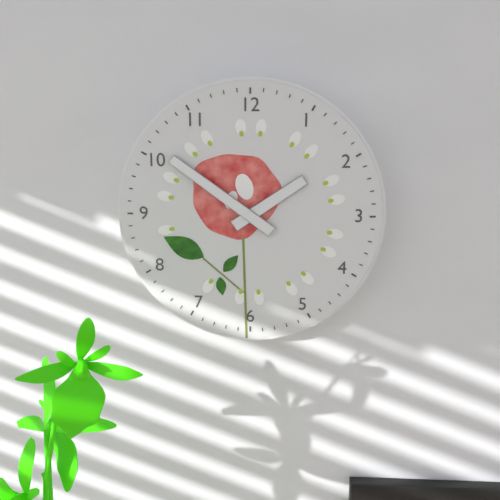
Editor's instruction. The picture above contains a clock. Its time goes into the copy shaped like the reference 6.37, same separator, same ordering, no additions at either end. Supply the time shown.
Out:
1.51
